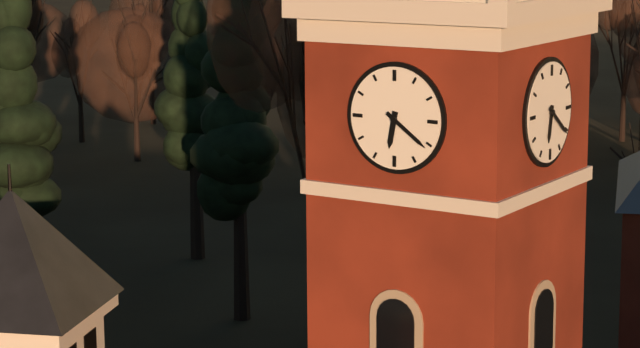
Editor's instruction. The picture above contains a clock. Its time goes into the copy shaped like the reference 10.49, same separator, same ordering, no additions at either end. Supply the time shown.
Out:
6.21
